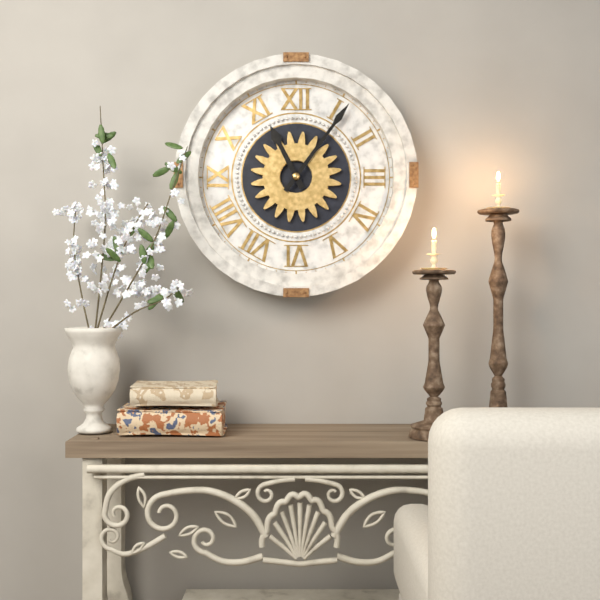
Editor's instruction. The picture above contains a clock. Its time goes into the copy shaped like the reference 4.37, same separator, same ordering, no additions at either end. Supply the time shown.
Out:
11.06
